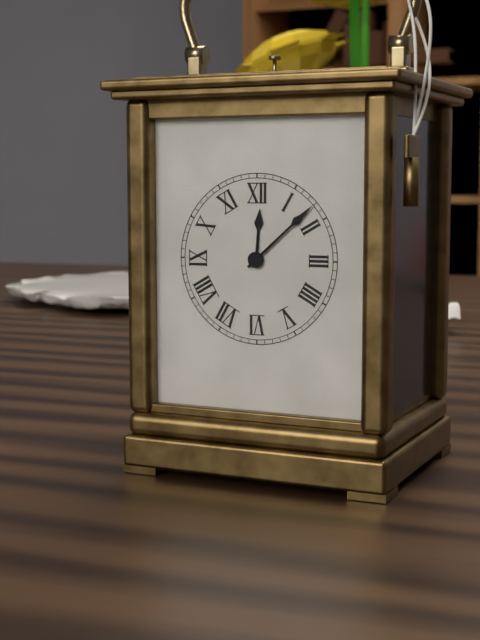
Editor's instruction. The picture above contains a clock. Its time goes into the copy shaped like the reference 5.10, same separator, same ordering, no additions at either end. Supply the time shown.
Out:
12.08
